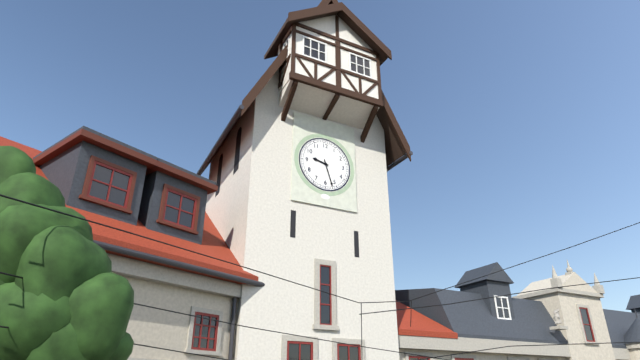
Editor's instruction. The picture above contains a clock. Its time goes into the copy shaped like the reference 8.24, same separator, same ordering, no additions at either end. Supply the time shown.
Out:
9.27
